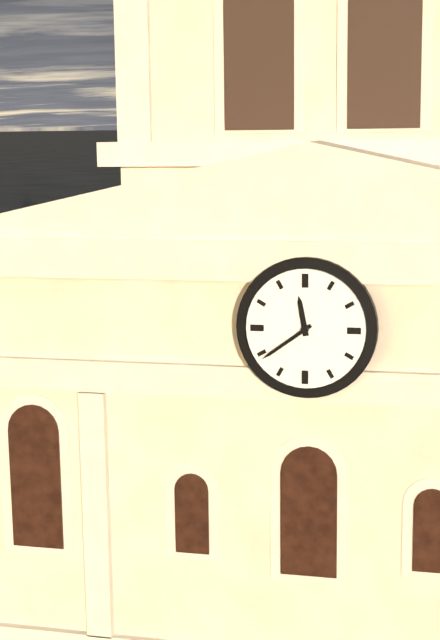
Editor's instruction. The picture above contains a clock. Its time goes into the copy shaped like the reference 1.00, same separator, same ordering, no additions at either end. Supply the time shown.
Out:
11.39
